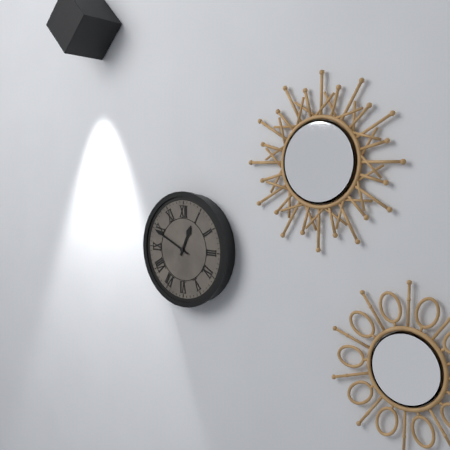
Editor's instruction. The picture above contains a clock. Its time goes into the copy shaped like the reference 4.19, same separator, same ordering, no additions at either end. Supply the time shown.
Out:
12.49
